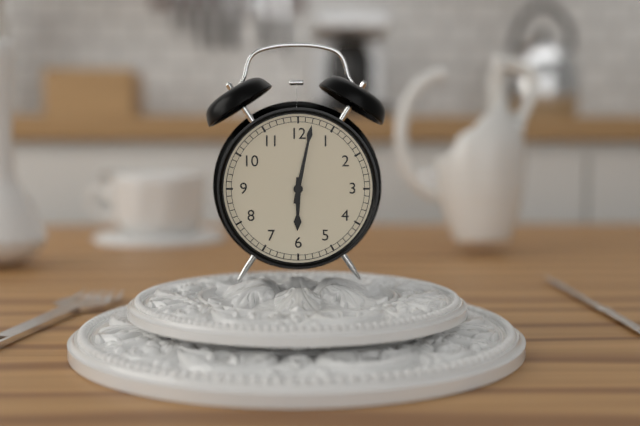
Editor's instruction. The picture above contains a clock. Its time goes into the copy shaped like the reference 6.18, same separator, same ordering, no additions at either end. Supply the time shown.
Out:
6.02
